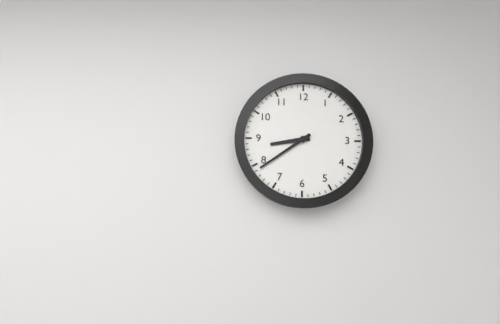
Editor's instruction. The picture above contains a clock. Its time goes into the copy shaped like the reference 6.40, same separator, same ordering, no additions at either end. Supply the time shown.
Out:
8.39
